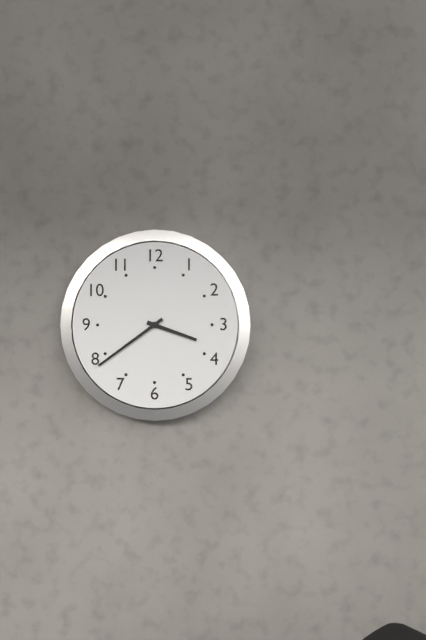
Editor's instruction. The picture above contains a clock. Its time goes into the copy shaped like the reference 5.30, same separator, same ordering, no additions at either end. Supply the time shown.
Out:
3.39
